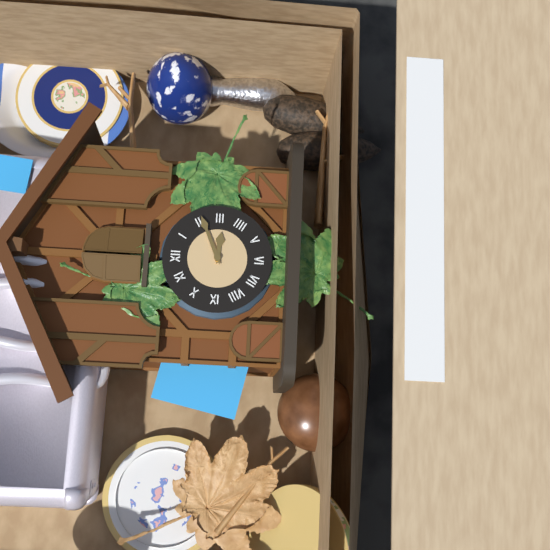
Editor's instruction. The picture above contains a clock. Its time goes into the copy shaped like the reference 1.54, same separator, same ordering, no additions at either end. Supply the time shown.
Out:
3.11
